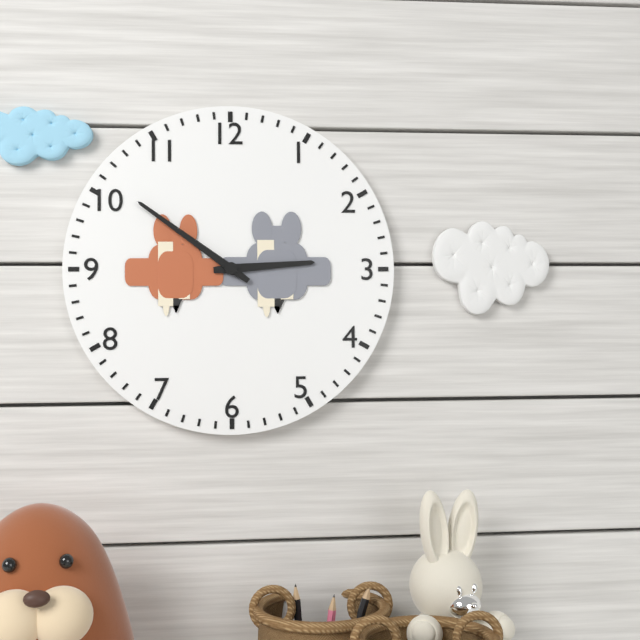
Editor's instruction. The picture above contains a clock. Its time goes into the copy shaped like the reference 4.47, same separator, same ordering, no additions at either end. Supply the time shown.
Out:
2.51
